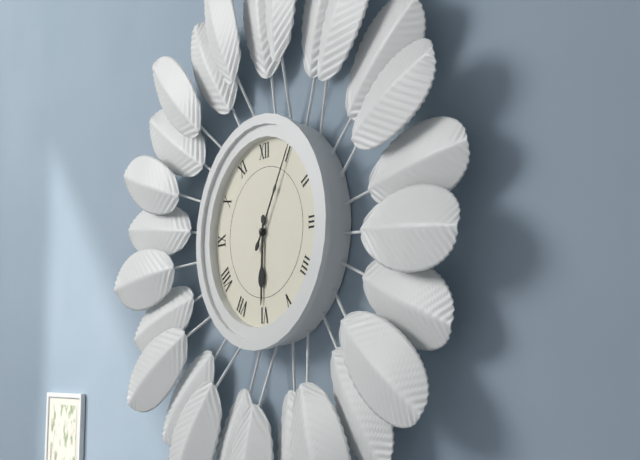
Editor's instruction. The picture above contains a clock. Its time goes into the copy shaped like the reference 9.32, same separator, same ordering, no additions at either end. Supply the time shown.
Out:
6.05
